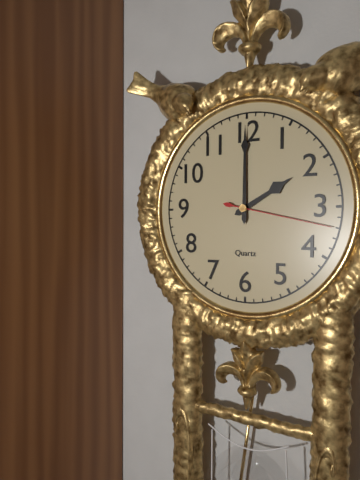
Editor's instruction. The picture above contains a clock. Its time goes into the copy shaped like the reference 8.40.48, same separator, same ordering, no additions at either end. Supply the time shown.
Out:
2.00.17
